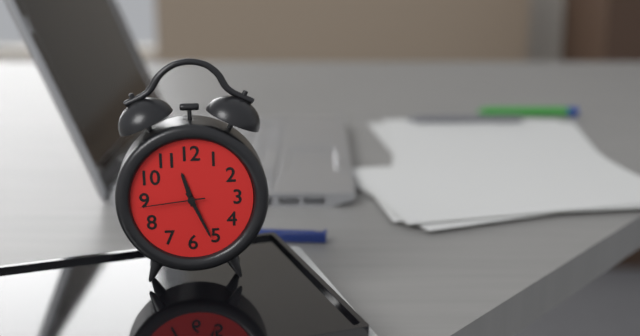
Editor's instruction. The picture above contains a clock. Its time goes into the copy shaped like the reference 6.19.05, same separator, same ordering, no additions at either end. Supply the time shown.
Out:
11.26.44
